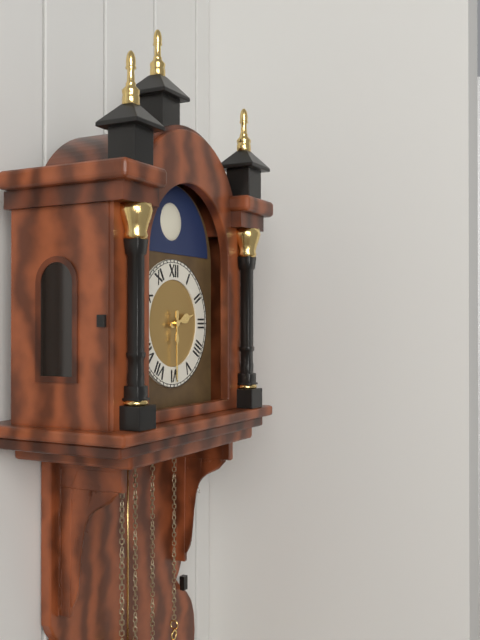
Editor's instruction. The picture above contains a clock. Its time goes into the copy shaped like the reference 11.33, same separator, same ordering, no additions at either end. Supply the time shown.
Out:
2.30
